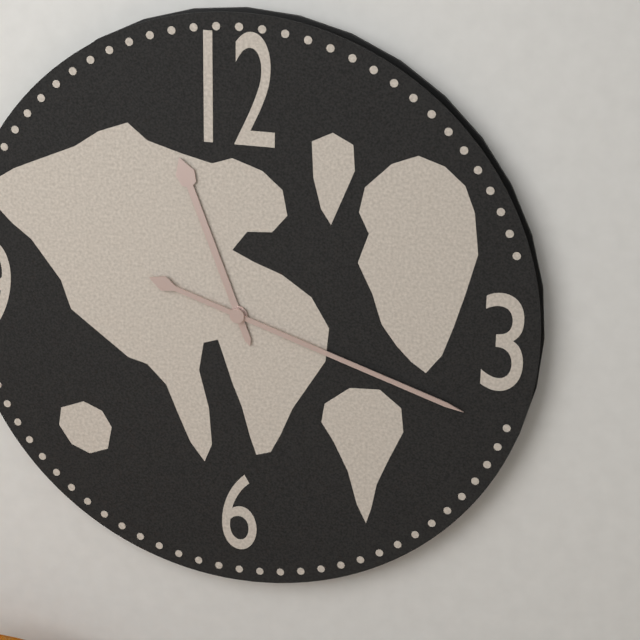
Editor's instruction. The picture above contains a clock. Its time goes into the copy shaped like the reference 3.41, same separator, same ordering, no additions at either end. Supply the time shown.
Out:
11.18
